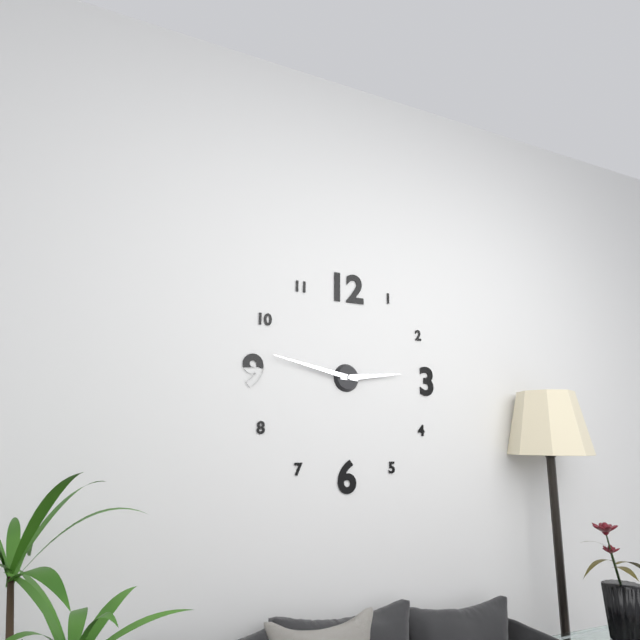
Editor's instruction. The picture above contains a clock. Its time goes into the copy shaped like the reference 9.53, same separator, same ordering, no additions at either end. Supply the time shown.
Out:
2.47
